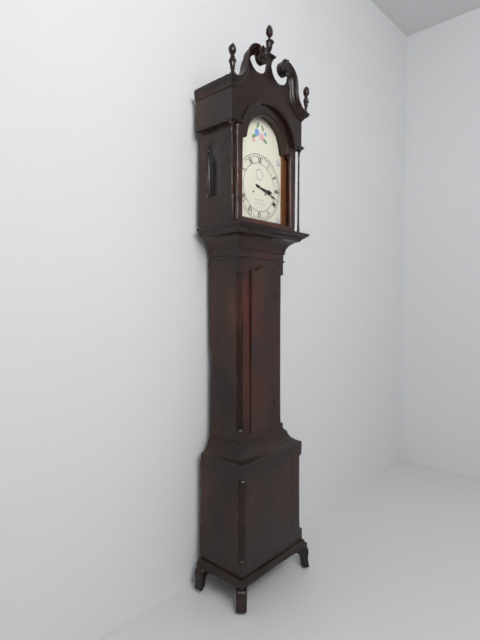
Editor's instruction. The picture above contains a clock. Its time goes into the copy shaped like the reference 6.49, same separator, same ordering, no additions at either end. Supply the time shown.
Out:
3.18
